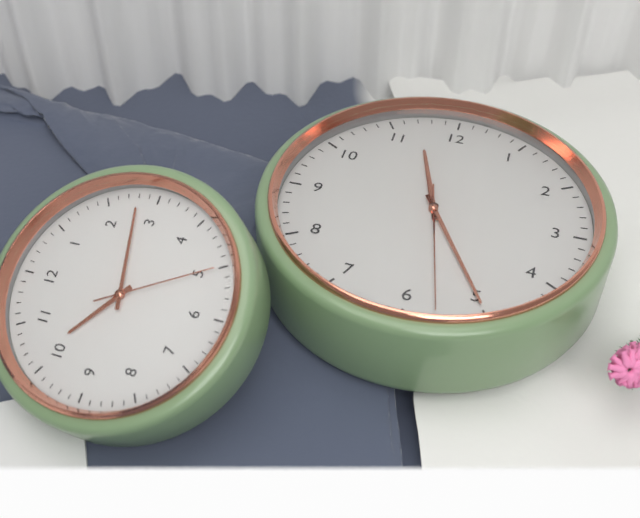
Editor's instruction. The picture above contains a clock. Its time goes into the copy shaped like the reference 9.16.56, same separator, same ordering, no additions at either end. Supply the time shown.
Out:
11.25.28
